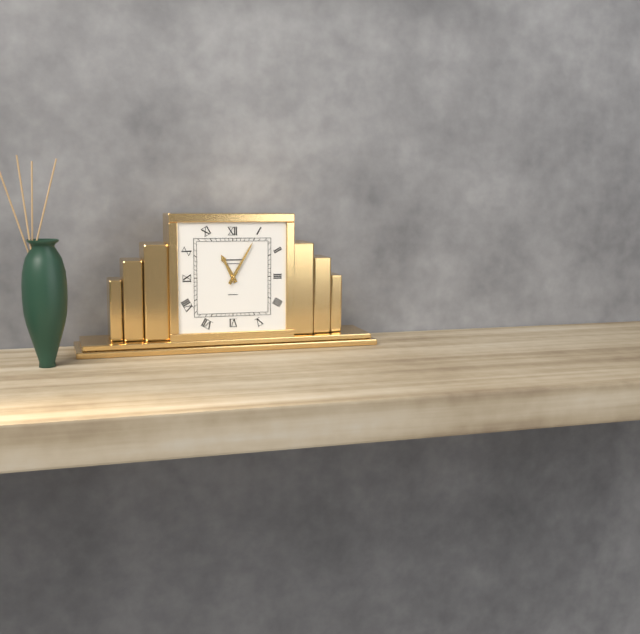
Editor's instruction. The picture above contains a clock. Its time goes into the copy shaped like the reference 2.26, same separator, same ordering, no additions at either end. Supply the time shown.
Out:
11.05
